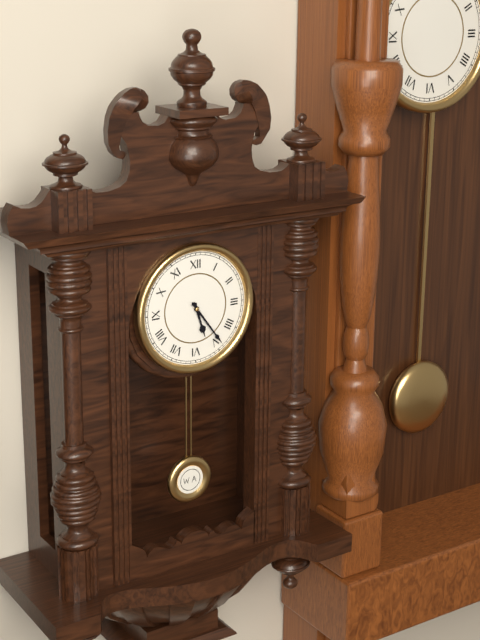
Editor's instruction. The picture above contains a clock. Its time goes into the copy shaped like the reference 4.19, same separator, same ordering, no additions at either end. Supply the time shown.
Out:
5.24
